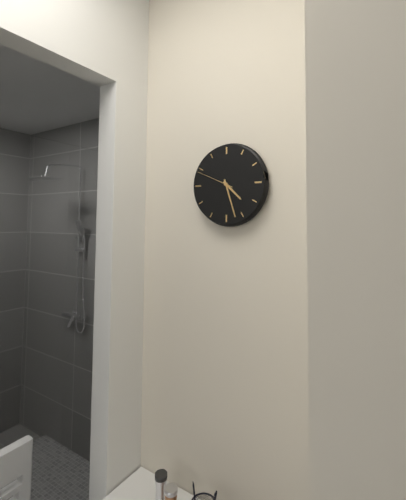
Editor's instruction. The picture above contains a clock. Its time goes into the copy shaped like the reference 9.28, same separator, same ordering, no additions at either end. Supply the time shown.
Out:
4.27
